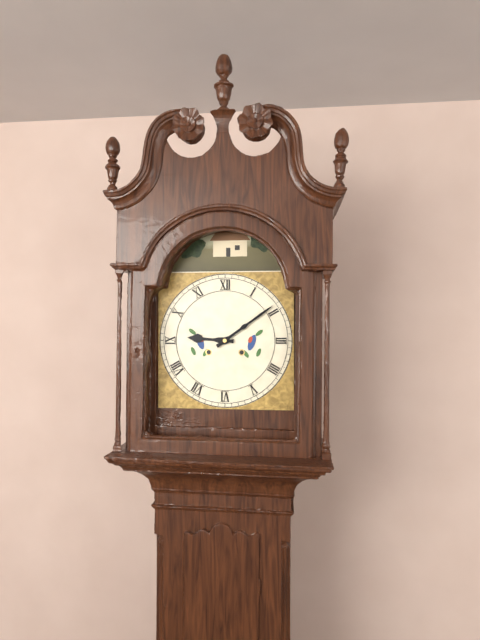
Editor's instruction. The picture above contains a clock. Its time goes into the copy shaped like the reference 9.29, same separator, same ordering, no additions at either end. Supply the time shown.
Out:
9.09
